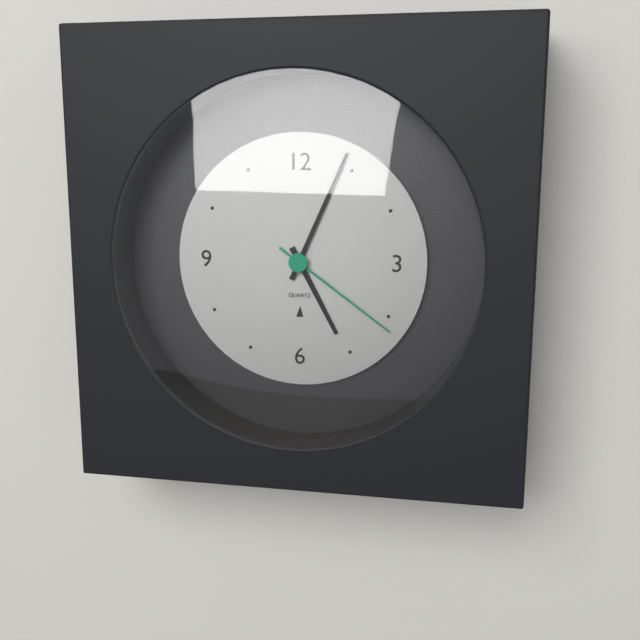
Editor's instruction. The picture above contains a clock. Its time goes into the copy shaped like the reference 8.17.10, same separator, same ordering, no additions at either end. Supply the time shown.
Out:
5.04.21
